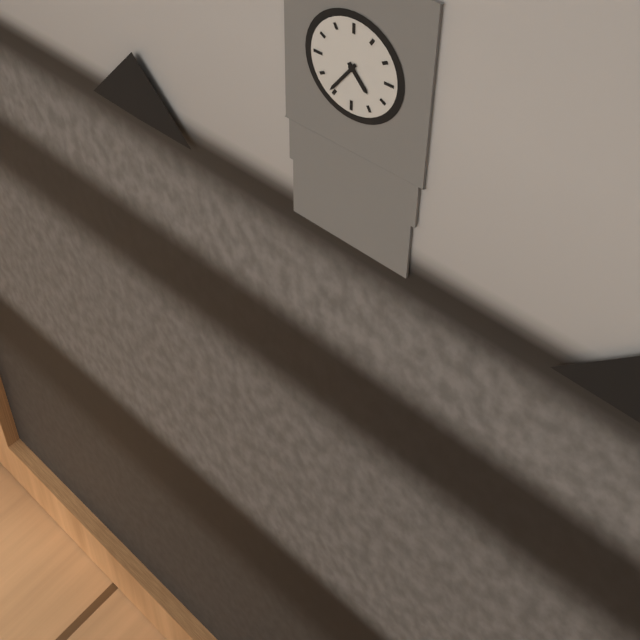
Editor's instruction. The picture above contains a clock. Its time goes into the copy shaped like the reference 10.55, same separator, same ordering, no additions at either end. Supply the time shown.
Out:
4.36
